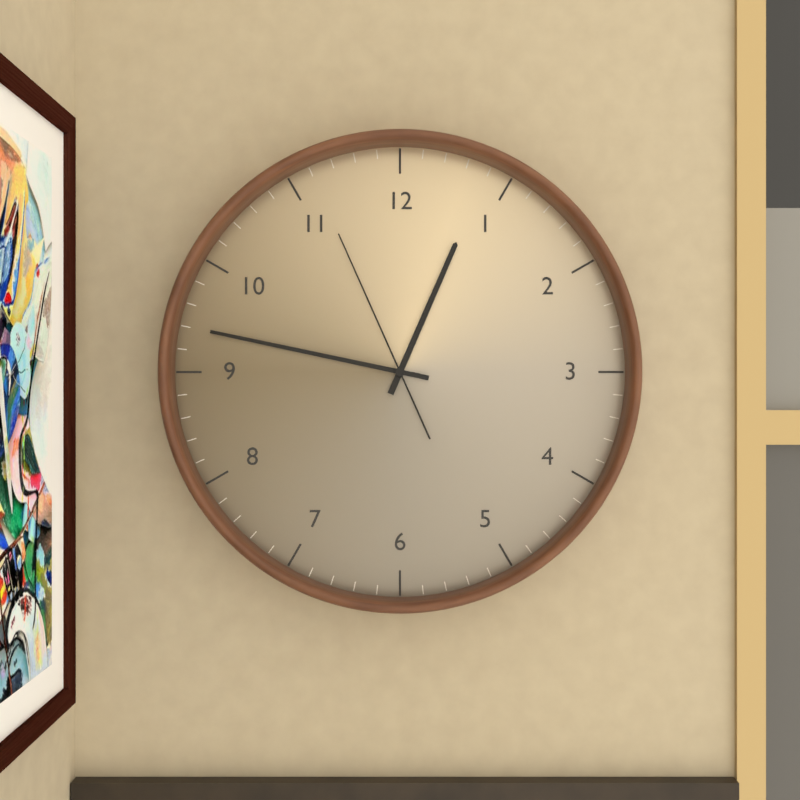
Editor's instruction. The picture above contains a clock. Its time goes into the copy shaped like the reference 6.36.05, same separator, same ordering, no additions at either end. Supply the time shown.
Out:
12.47.56
